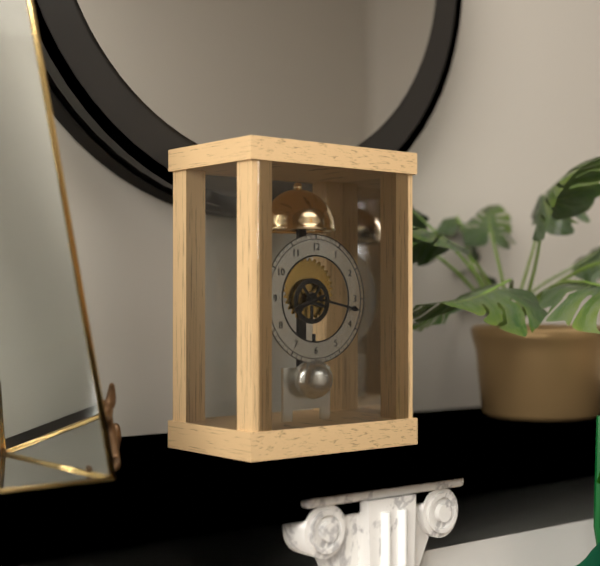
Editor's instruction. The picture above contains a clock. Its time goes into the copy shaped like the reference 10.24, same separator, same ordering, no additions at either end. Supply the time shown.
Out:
8.17
